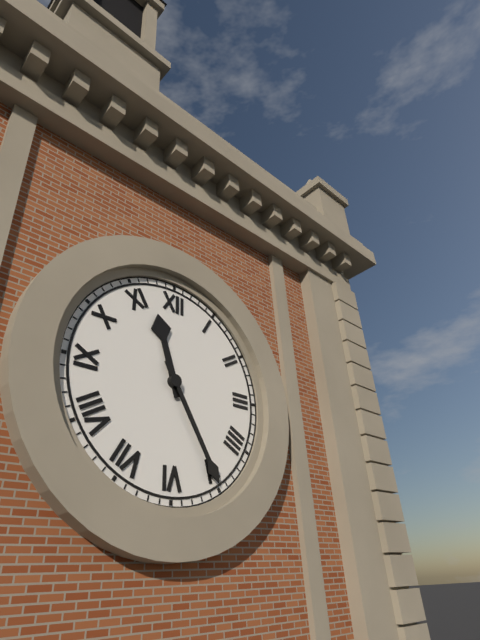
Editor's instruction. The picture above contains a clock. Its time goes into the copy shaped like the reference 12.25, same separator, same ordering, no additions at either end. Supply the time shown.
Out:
11.25
